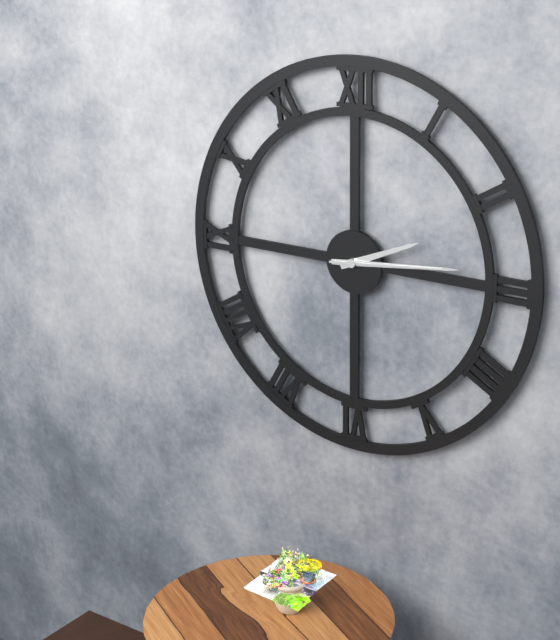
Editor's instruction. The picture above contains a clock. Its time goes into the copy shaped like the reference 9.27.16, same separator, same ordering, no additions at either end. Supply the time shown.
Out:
2.14.14
